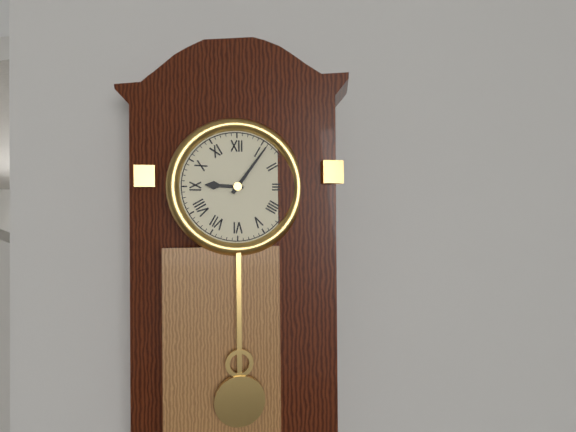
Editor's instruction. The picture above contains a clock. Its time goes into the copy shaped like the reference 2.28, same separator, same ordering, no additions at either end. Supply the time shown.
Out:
9.06
